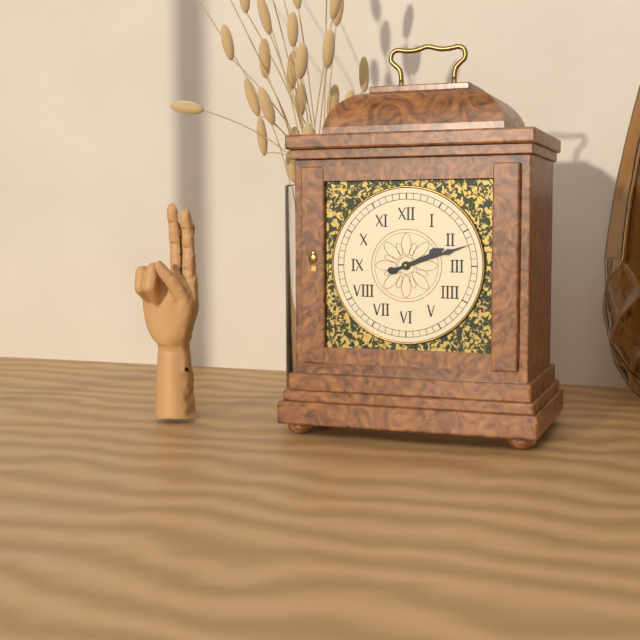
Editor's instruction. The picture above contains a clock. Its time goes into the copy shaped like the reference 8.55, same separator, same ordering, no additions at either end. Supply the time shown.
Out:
2.12
